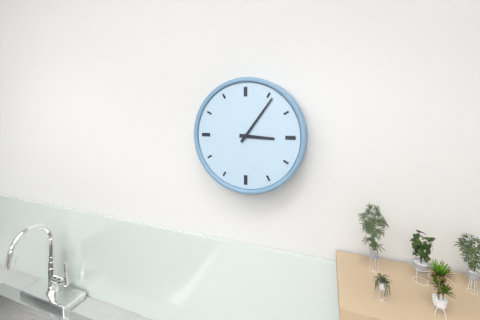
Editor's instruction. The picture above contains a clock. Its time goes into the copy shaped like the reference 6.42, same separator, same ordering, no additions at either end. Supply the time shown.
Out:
3.06
